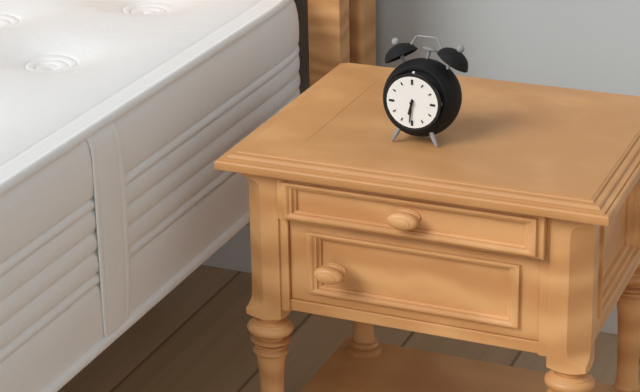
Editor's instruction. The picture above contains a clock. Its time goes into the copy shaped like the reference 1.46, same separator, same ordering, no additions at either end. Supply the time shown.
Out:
6.31
